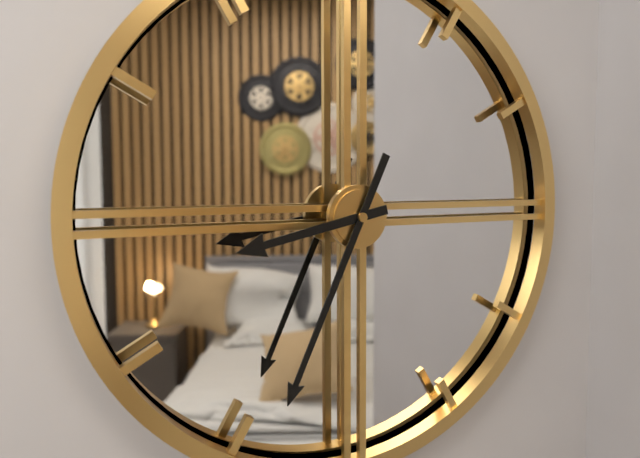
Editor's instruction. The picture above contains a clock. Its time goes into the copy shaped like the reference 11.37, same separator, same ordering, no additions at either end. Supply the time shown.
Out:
8.34
